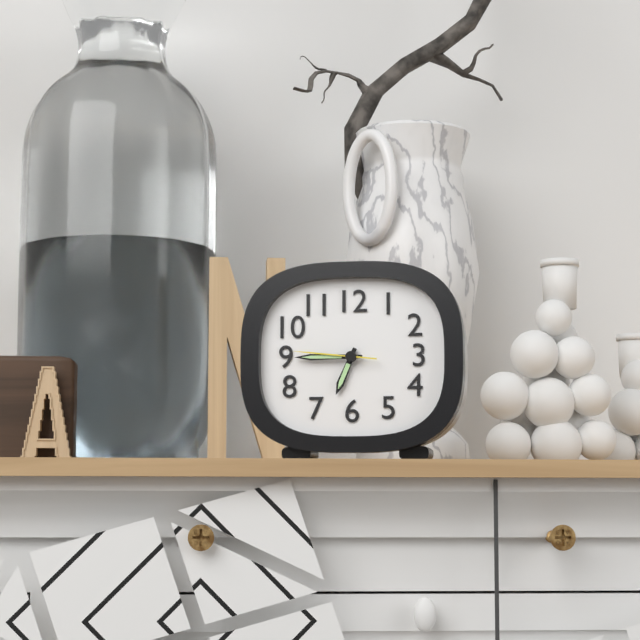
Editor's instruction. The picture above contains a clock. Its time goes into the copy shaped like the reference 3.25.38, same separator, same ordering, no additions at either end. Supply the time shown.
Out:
6.45.46
